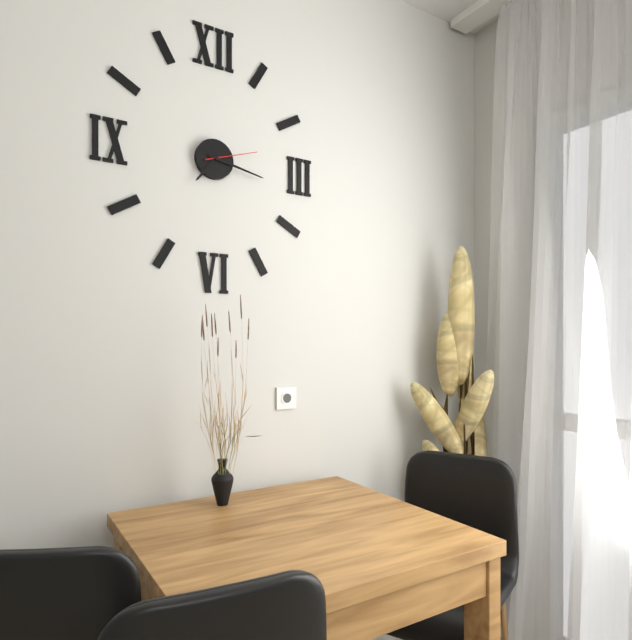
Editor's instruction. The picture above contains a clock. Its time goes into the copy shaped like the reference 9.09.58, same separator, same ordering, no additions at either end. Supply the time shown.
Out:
7.17.12
